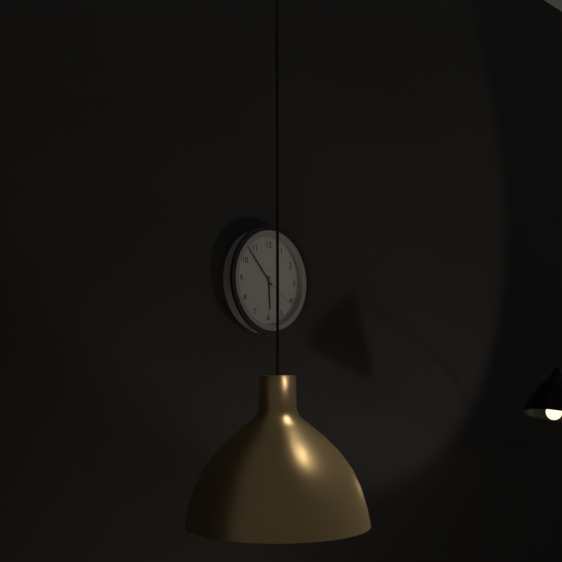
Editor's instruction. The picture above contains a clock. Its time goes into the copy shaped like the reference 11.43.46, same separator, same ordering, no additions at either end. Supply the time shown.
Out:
5.53.21
